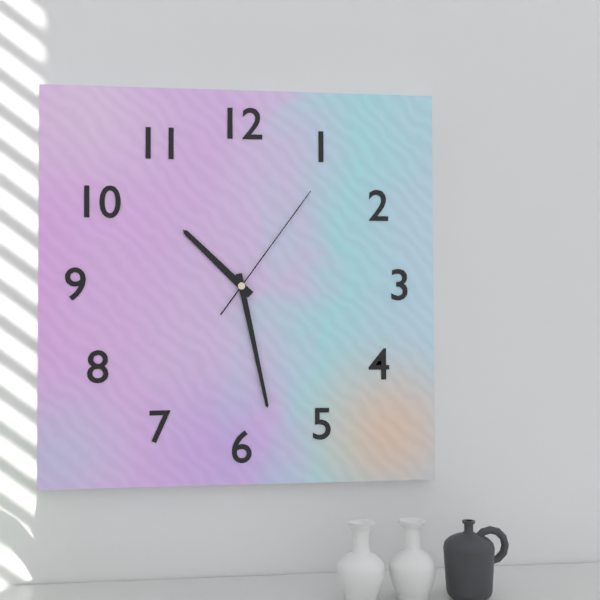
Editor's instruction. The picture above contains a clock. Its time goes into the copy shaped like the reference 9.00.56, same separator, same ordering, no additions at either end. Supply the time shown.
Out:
10.28.06
